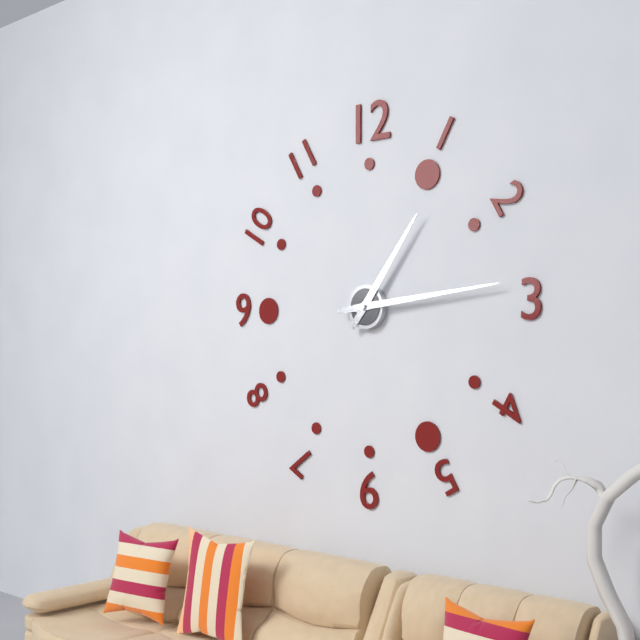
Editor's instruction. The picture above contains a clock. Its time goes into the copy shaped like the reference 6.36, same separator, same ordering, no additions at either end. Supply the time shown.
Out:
1.14
